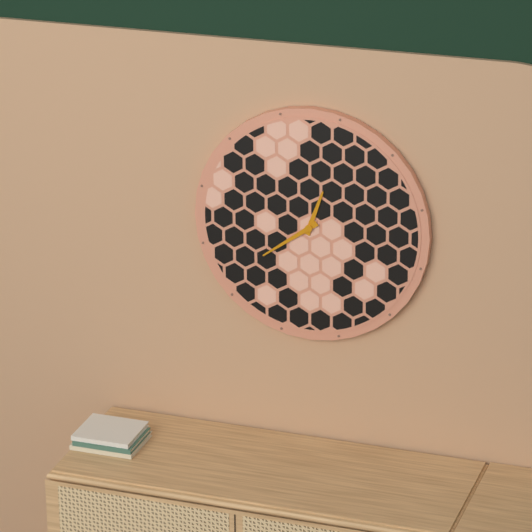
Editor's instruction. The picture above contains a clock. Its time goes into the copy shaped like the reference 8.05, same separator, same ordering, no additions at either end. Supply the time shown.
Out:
12.39
